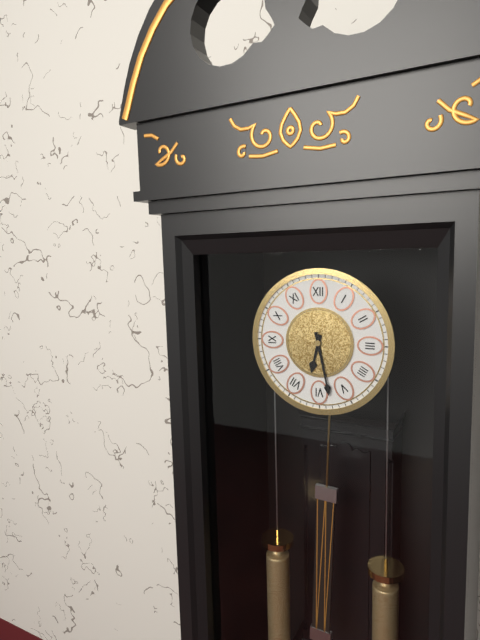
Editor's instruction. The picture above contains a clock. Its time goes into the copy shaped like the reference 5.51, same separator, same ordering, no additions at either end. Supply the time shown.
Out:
6.28
